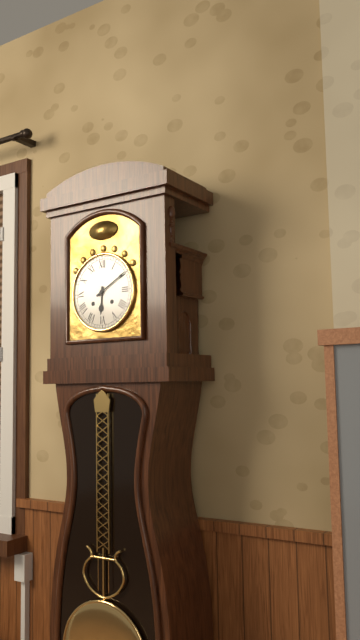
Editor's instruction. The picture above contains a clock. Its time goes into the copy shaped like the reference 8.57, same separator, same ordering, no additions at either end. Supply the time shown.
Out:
6.10
